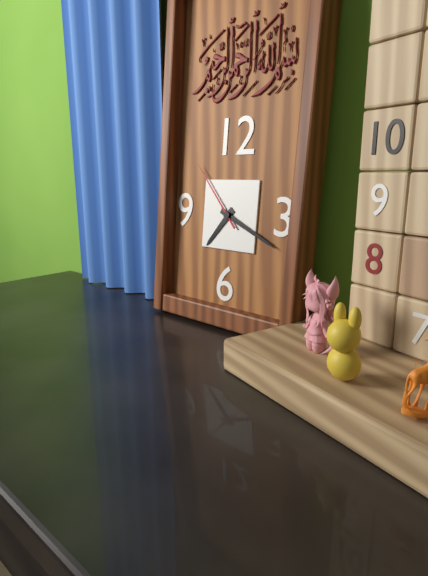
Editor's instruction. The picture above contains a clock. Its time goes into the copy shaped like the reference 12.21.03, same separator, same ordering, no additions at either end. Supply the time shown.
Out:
7.19.53
